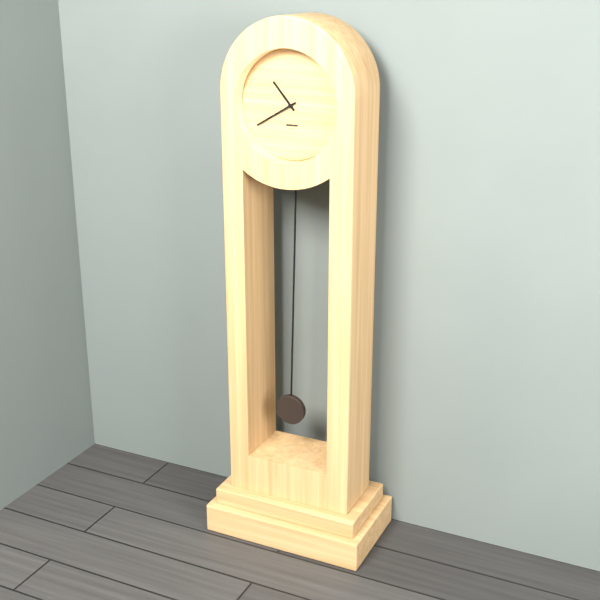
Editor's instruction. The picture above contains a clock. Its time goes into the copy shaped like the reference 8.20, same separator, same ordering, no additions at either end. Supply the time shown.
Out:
10.40
